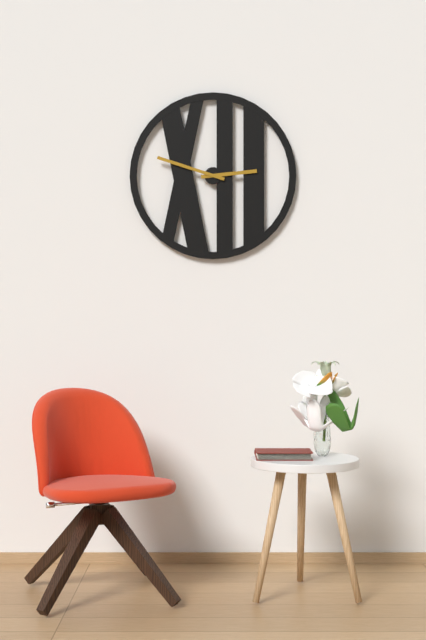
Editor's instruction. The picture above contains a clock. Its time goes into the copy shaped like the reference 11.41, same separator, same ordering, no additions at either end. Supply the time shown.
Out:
2.48
